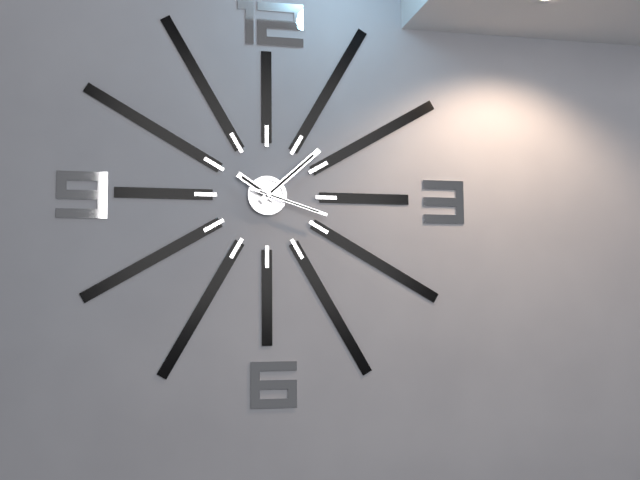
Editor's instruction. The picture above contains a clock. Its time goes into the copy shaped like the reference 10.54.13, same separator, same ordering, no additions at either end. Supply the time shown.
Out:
10.08.18
